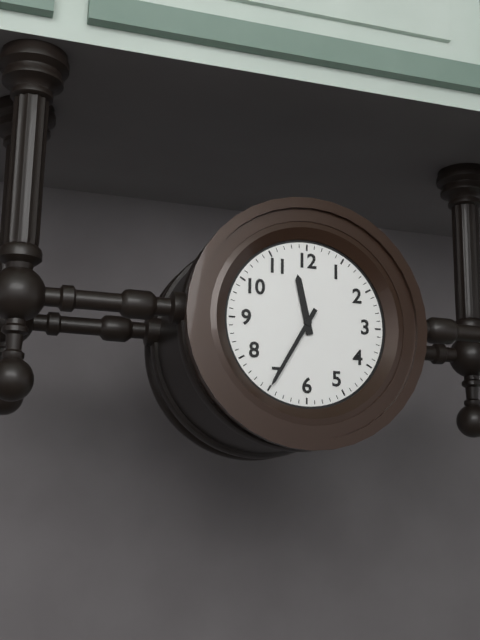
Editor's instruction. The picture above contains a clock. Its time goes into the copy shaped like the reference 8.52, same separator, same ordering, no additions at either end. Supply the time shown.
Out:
11.35
